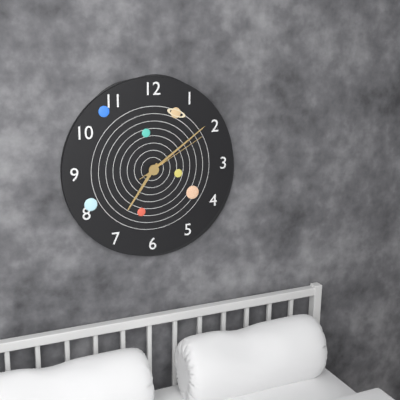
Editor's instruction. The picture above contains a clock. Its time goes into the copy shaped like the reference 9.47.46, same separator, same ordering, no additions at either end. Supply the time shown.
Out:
7.09.10
